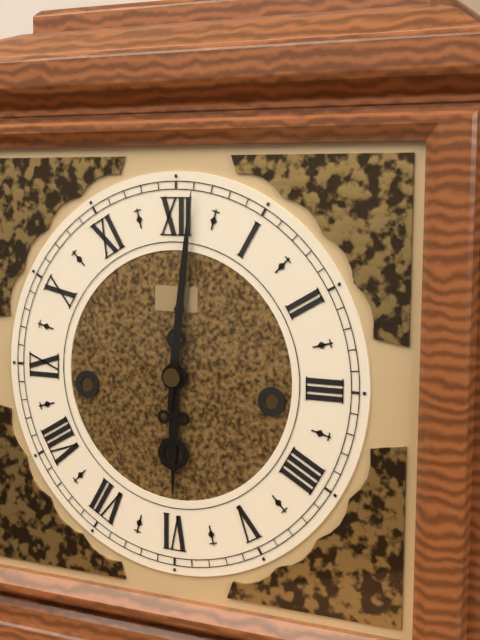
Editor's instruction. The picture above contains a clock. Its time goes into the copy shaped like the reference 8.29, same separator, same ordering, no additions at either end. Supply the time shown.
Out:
6.01
